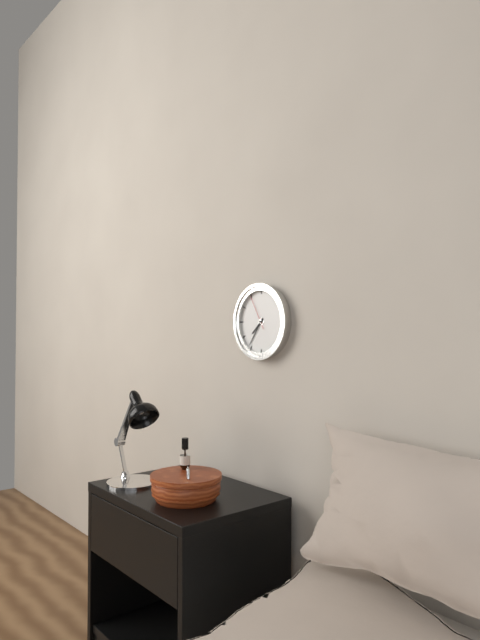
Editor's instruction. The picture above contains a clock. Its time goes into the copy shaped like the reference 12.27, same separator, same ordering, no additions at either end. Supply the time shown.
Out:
7.36
